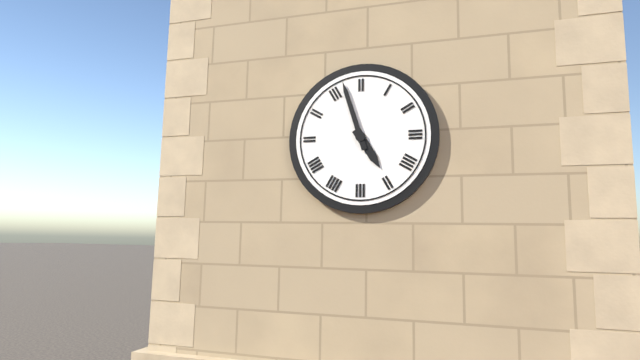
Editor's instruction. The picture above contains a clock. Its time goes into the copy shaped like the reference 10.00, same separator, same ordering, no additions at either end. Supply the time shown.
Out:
4.57
